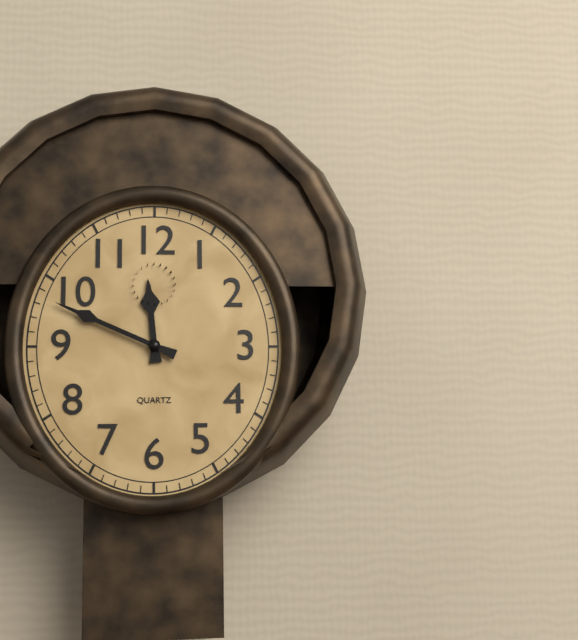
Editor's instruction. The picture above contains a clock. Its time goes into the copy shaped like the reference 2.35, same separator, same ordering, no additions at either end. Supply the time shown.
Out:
11.49
